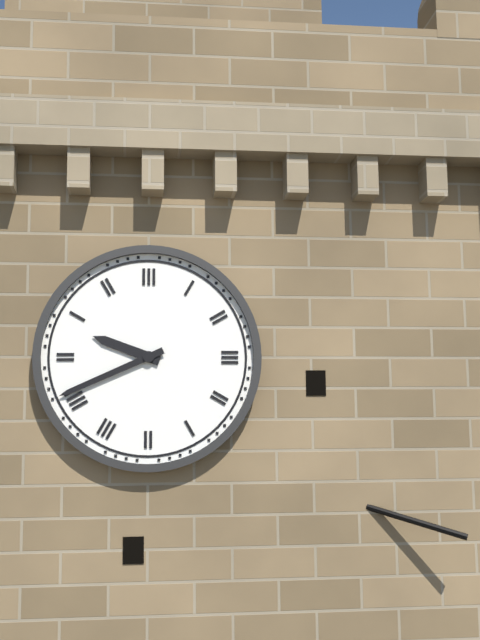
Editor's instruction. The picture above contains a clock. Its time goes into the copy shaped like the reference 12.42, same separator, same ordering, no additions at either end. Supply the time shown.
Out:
9.41
